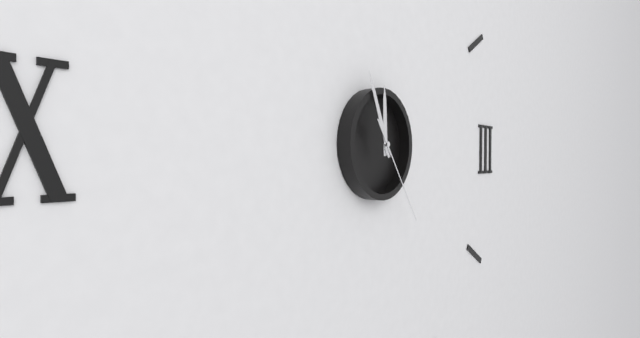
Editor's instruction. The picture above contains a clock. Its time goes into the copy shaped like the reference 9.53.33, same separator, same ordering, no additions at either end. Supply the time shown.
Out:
11.56.24
